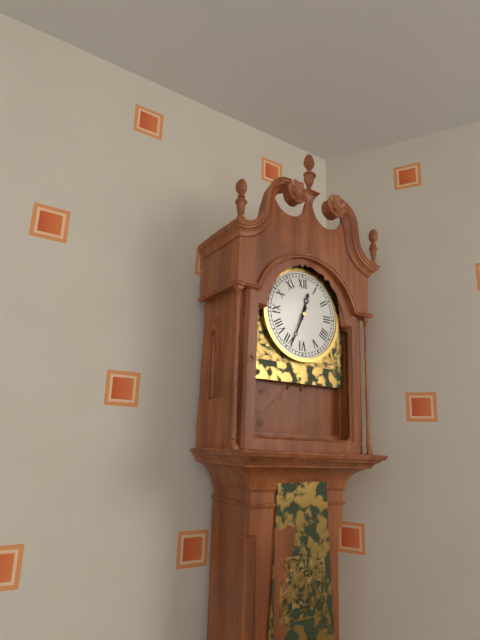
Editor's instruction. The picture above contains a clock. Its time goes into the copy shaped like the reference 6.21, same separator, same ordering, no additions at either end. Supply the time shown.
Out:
12.34
